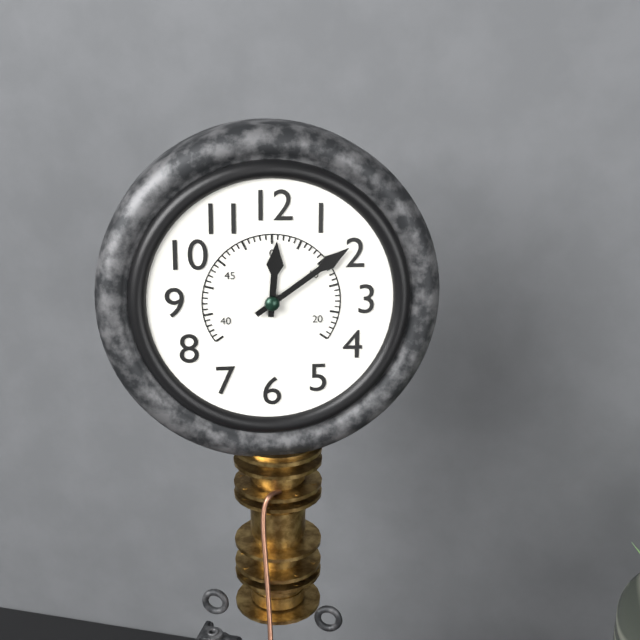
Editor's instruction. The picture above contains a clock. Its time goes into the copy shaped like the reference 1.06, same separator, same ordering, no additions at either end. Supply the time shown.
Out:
12.09
